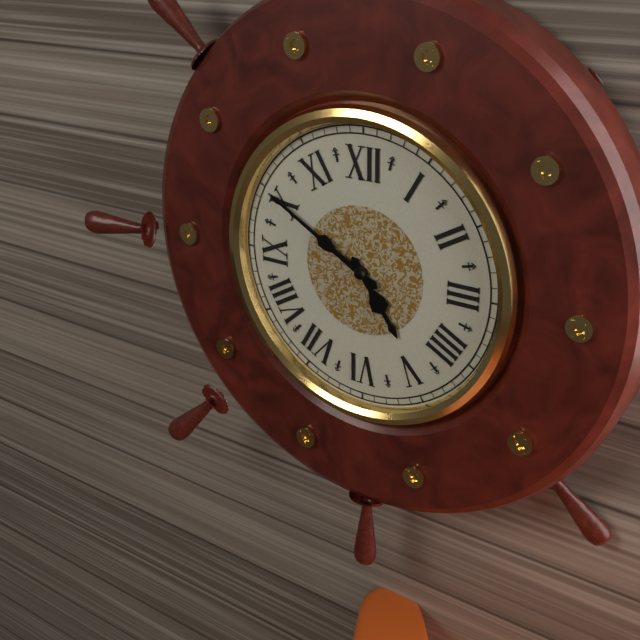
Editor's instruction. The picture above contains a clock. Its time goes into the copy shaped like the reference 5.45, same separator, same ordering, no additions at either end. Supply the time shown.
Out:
4.50
